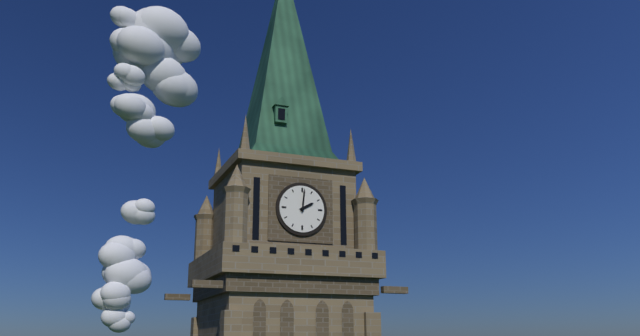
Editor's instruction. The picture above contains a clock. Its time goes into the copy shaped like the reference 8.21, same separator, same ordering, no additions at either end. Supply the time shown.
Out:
2.01
